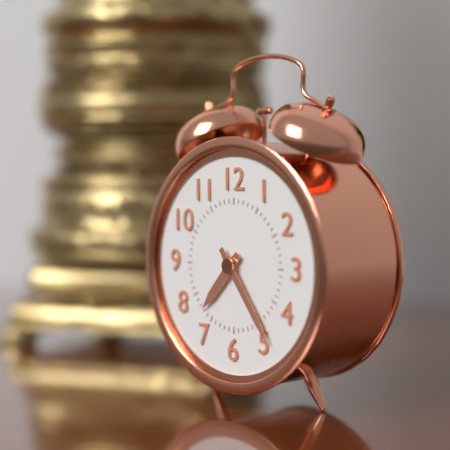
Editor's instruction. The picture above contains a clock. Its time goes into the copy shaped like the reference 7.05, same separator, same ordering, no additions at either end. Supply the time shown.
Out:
7.24
